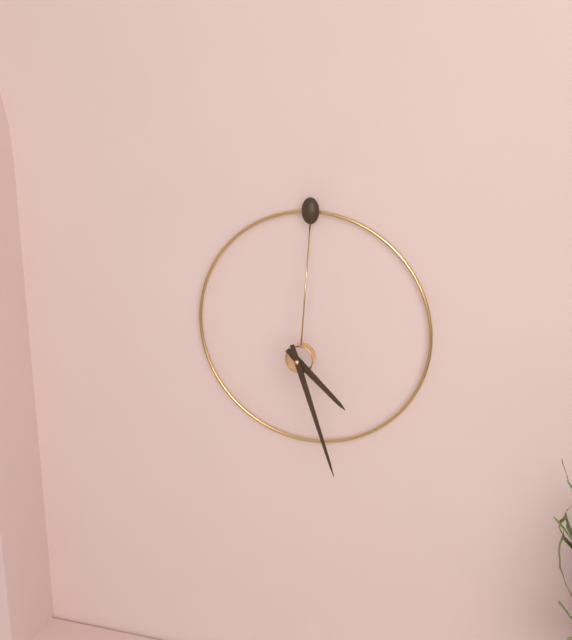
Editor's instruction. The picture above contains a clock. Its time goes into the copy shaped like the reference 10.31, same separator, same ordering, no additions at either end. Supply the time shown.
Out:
4.27
